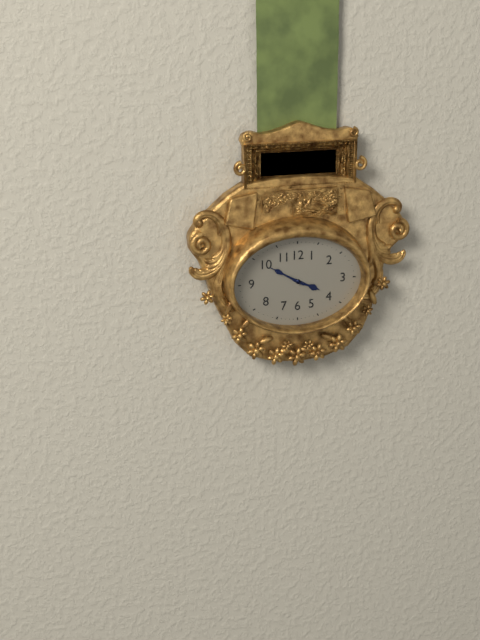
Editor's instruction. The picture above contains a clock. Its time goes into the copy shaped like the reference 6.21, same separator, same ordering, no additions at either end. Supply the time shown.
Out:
3.50
